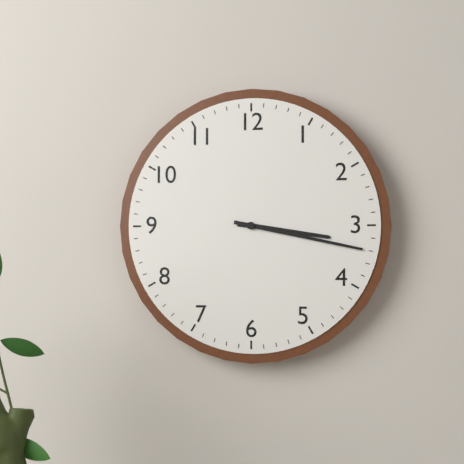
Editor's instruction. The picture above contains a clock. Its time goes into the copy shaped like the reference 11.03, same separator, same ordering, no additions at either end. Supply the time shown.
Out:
3.17
